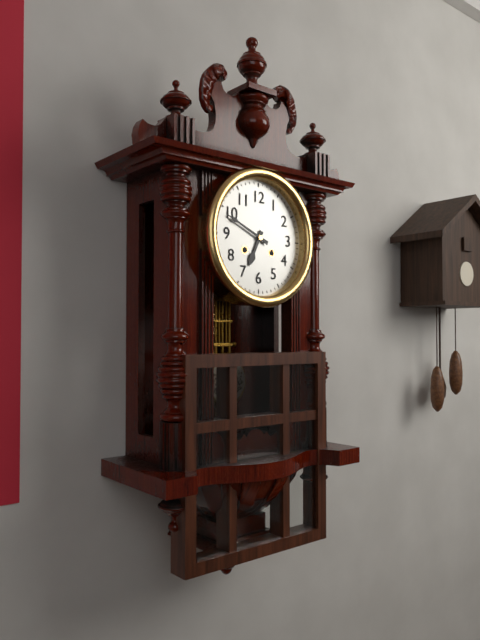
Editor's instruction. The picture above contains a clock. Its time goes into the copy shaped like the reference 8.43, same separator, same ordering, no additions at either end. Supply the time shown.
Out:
6.49
